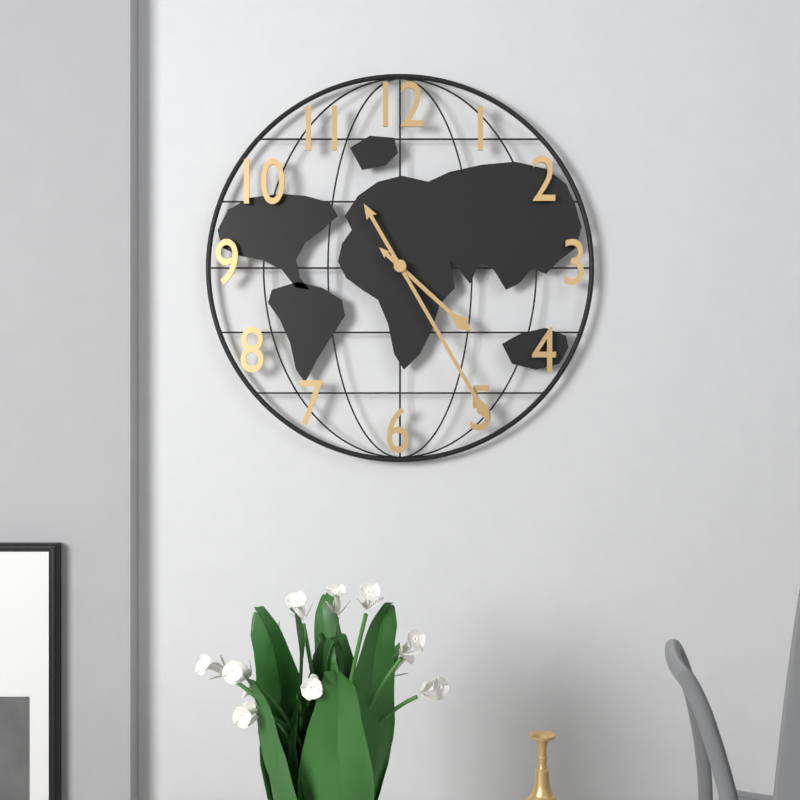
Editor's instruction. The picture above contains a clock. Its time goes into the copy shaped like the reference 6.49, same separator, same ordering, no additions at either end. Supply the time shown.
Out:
4.25
